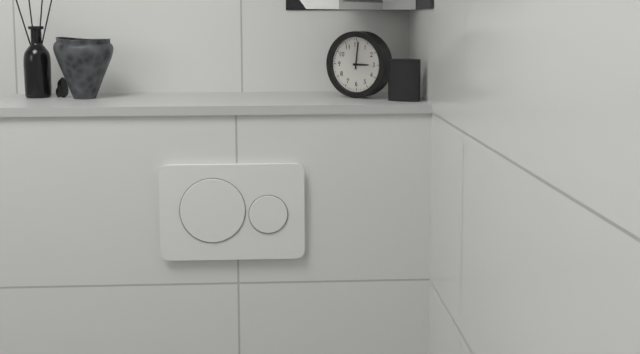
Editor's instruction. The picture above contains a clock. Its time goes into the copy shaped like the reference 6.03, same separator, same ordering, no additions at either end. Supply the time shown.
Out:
3.01
